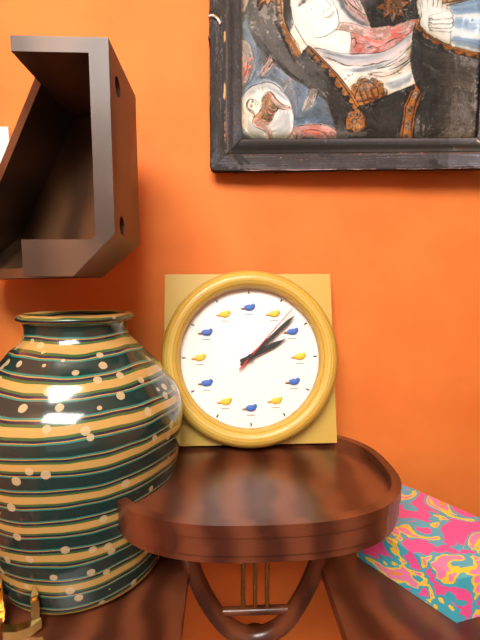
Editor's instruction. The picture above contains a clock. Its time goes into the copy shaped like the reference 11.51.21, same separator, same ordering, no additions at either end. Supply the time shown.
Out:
2.08.07
